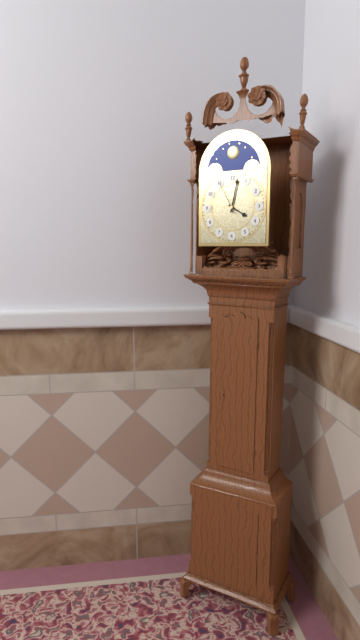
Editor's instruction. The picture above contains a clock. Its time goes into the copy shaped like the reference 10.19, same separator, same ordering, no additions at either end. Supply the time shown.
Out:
4.02
